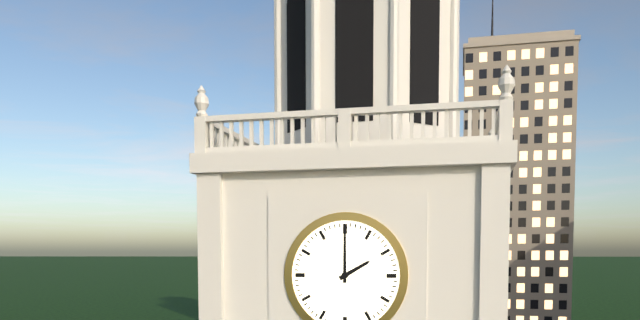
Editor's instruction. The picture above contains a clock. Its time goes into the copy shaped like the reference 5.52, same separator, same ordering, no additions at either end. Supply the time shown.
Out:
2.00
